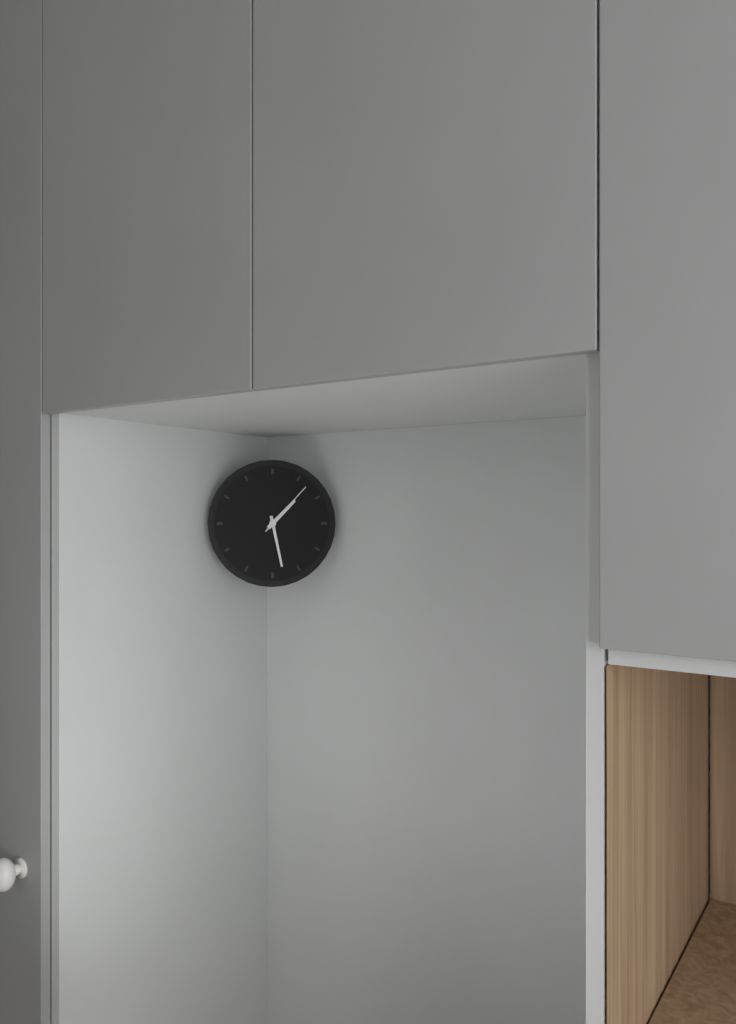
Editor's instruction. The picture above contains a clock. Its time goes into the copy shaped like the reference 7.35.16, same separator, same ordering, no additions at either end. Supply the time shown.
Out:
1.28.07
